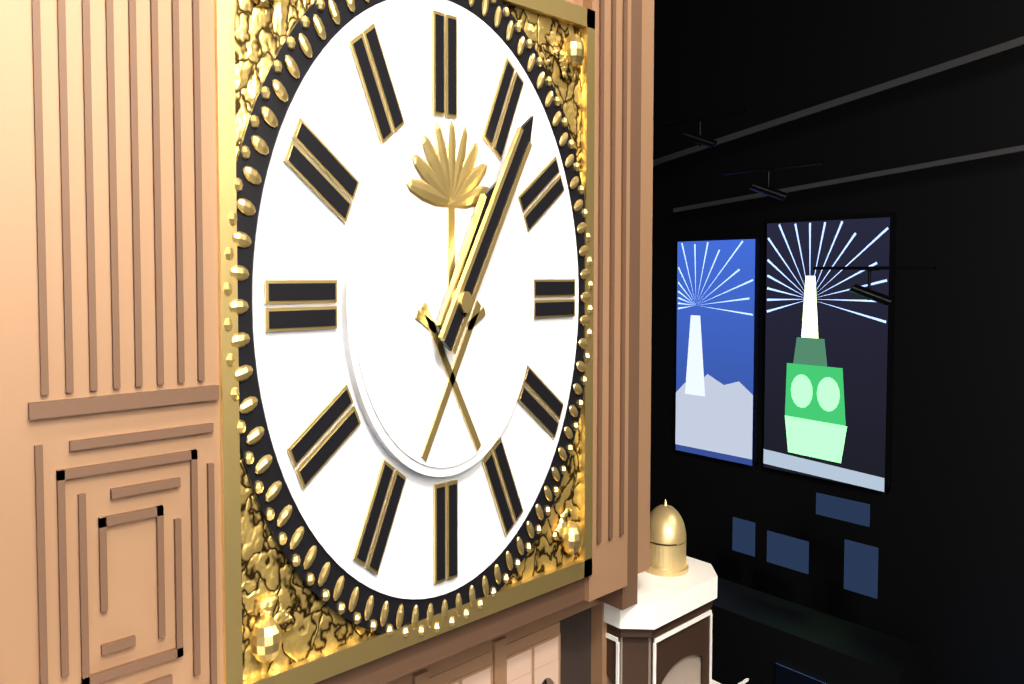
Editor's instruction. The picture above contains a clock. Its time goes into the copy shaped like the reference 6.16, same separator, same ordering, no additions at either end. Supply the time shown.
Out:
1.06
